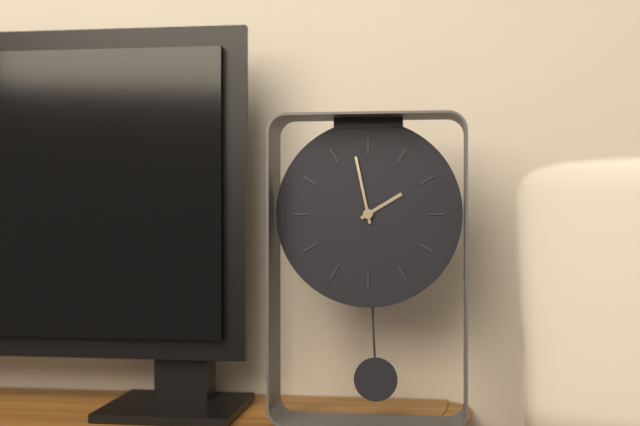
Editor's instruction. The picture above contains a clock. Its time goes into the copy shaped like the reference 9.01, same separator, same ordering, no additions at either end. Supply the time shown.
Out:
1.58
